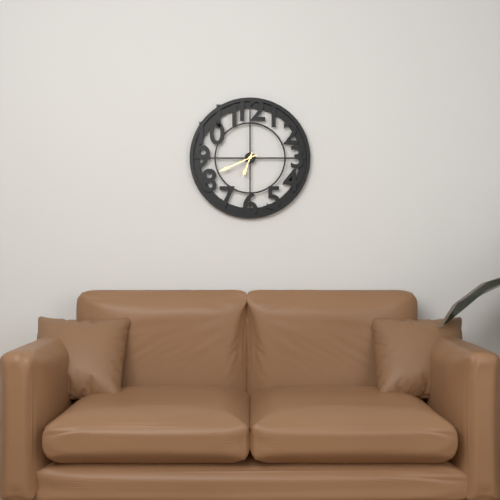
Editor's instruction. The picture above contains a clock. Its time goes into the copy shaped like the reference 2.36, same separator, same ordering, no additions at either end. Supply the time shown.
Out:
6.41
